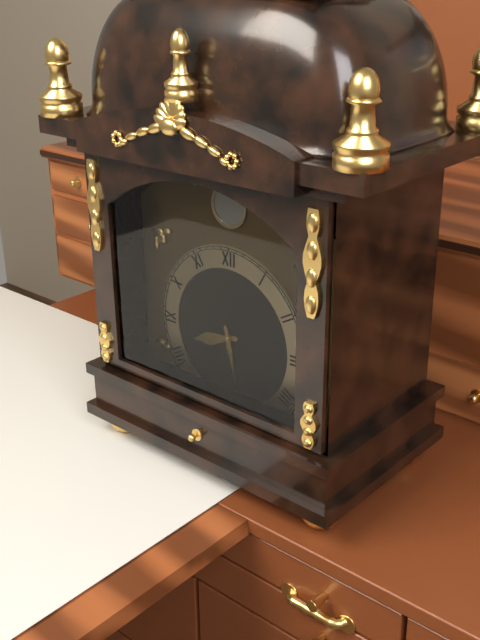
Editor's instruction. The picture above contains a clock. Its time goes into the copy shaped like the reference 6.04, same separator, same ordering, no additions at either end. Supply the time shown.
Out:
8.28
